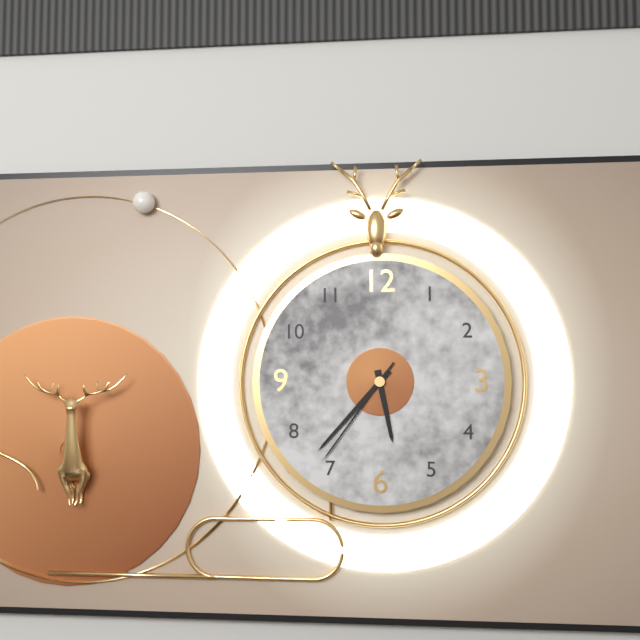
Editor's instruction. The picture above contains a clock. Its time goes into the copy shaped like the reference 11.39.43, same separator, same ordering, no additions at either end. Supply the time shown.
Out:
5.37.36
